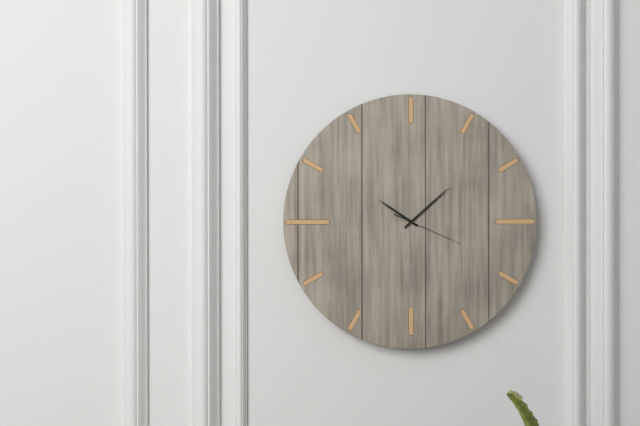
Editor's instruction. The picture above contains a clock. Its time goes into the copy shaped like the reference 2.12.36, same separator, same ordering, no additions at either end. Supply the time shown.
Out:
10.08.19
